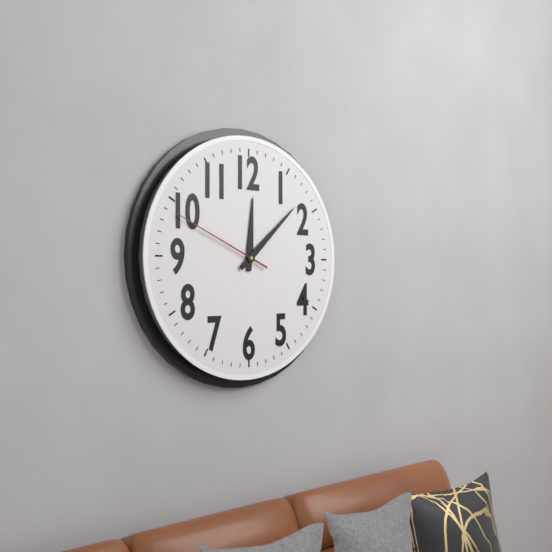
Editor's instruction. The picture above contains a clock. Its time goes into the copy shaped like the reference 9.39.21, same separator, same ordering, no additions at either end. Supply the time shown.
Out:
12.08.49
